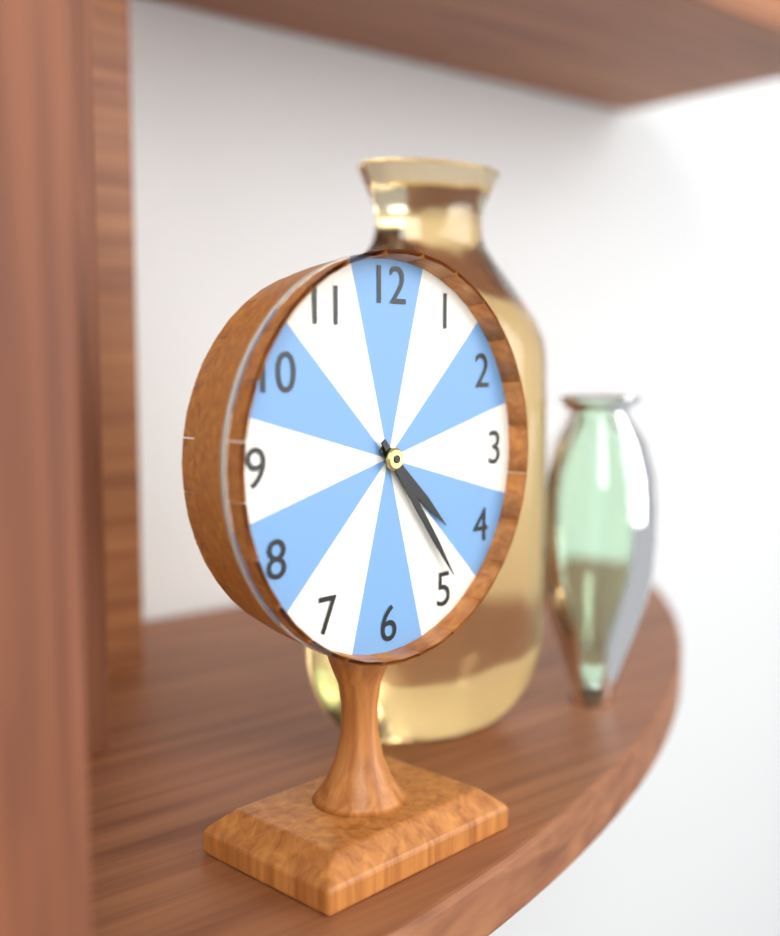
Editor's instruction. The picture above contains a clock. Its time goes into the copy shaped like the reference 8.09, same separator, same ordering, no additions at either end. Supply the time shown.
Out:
4.24
